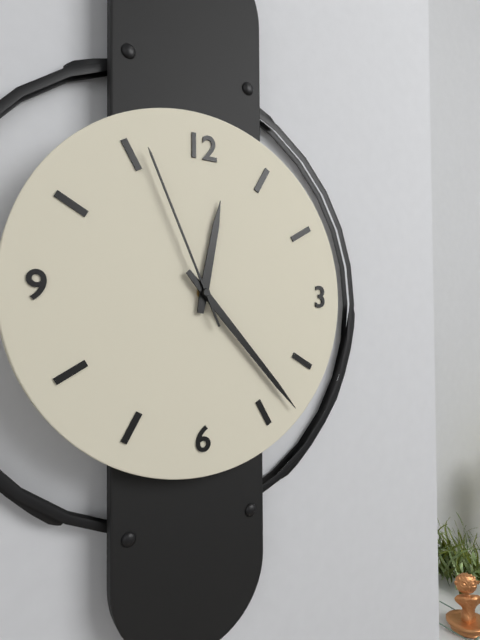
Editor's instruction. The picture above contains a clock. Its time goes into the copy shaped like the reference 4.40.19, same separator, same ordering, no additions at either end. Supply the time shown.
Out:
12.23.56
